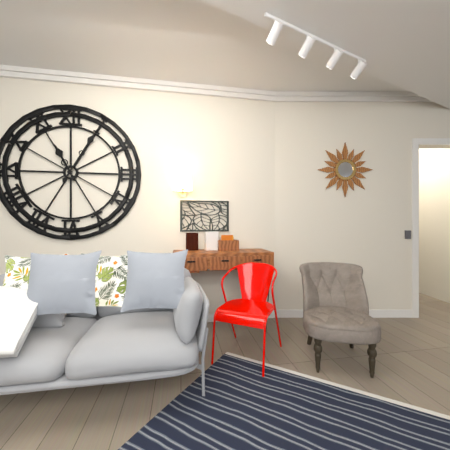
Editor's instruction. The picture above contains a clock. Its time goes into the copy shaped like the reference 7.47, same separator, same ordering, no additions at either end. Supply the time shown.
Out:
11.05
